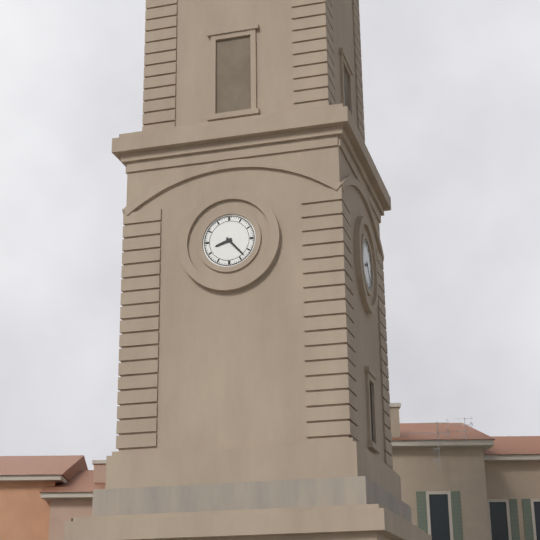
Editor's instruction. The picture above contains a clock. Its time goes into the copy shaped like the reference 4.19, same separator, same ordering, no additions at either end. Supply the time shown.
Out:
8.23
